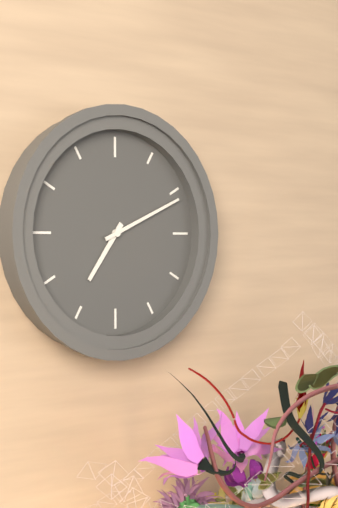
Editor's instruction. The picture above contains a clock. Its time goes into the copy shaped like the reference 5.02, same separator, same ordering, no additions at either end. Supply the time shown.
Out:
7.11
